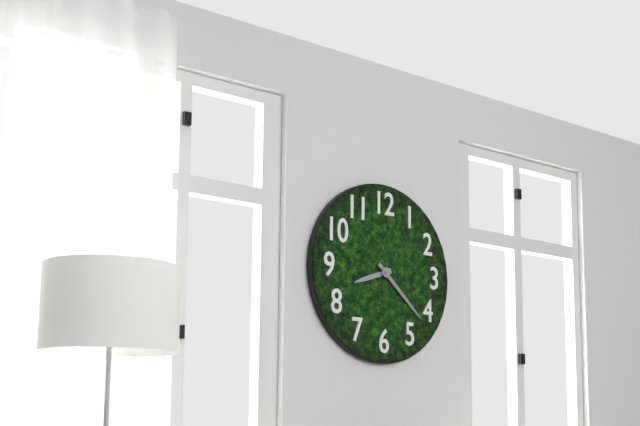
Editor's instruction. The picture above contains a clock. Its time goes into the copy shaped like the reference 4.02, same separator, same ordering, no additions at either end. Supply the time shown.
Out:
8.22
